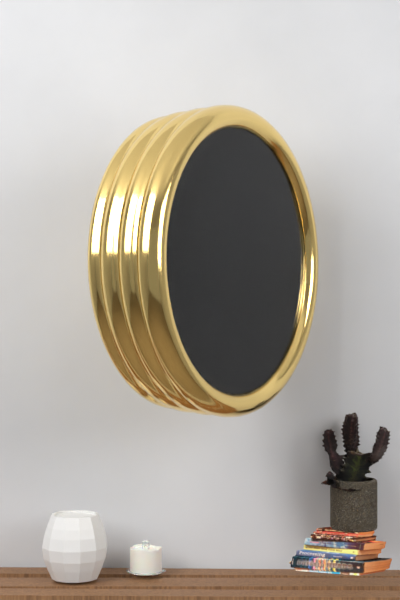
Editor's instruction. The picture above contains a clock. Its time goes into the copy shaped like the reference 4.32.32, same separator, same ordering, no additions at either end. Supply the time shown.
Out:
12.01.02
